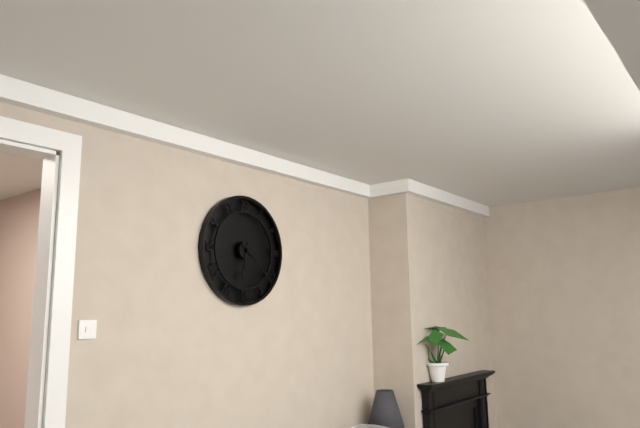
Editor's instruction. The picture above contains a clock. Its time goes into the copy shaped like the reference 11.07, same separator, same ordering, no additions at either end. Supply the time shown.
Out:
6.22
